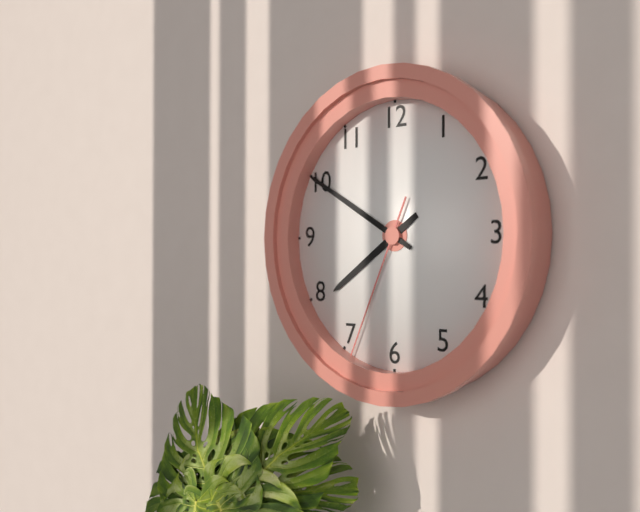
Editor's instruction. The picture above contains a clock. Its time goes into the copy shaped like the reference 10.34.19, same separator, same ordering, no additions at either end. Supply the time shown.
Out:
7.50.34
